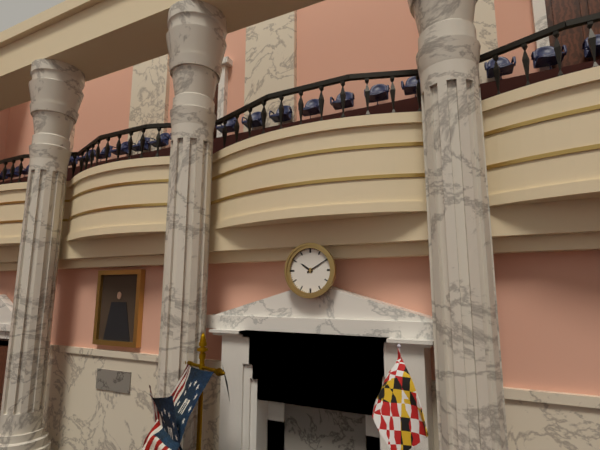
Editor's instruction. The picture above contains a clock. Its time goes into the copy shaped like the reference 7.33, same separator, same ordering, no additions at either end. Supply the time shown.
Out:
10.10
